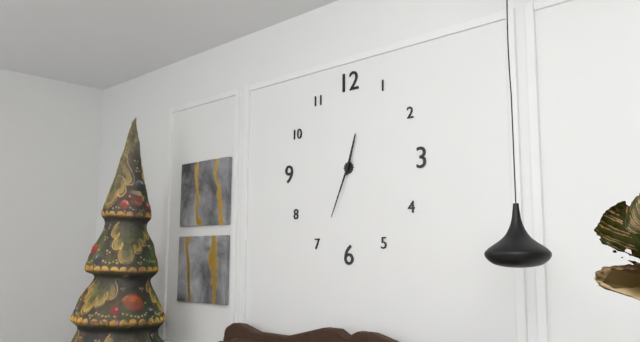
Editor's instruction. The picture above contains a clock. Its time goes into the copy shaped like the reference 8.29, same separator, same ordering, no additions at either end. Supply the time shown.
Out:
12.34
